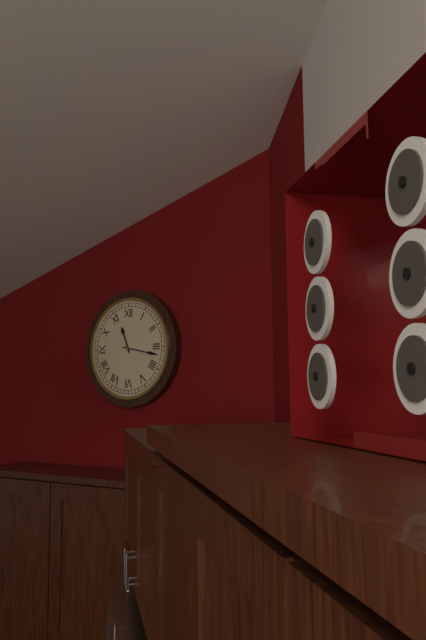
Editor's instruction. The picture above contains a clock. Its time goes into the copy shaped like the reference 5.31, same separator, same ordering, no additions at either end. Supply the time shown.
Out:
11.17
